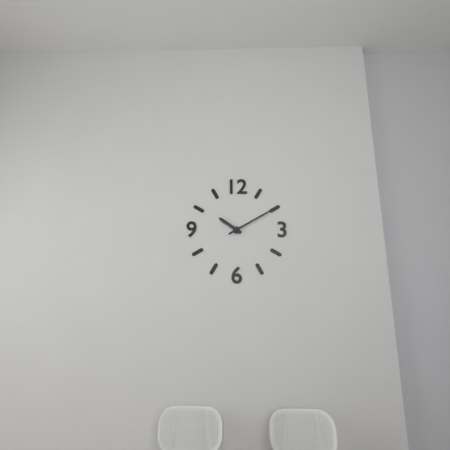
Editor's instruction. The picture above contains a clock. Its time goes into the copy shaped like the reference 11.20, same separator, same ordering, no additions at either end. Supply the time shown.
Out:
10.10
